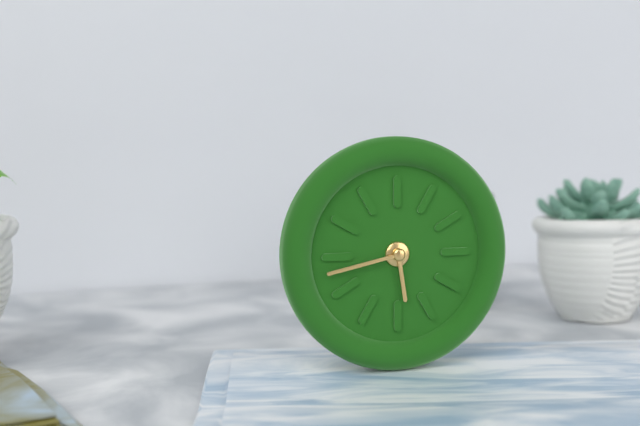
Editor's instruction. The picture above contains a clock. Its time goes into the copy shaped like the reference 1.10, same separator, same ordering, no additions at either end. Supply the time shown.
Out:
5.43
